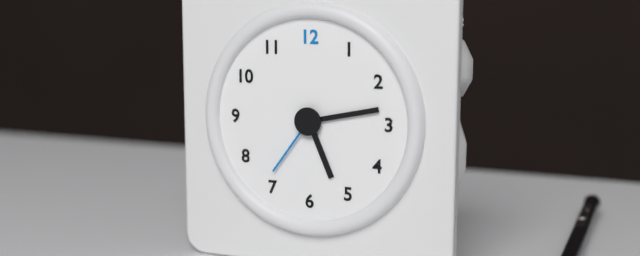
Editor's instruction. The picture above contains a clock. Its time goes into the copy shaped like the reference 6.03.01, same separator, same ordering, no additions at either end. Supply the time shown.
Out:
5.13.36
